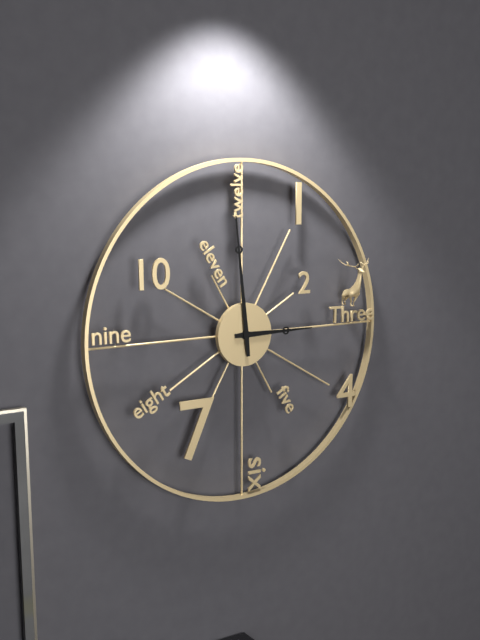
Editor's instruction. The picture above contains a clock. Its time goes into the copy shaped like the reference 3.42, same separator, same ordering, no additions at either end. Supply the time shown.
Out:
2.59
